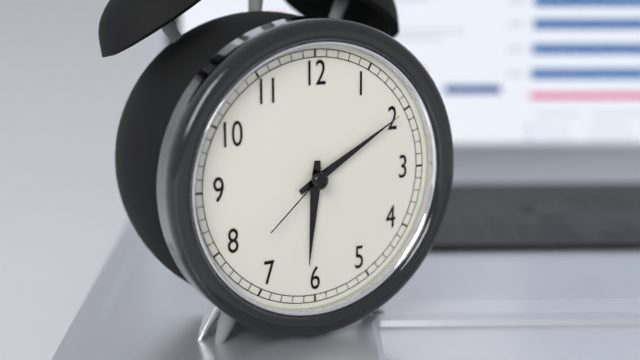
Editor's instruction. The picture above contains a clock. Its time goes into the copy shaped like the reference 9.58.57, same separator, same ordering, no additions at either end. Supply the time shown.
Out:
6.10.38
